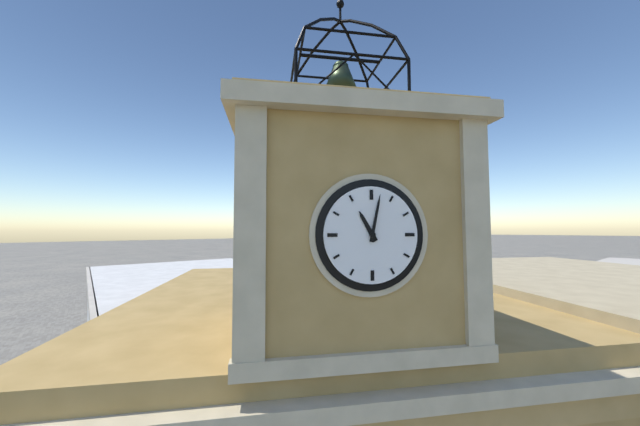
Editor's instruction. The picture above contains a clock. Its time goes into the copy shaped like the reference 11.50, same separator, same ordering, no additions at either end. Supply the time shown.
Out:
11.02
